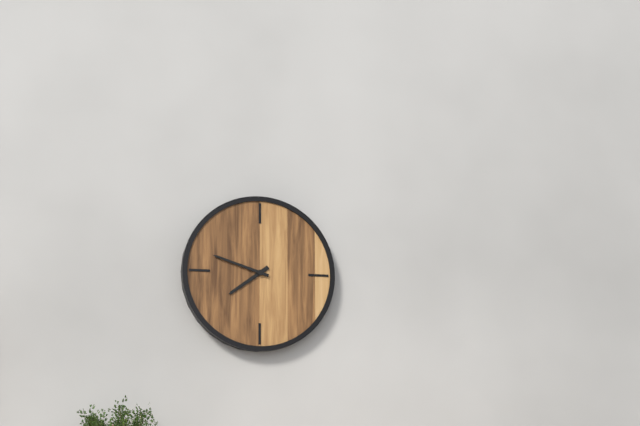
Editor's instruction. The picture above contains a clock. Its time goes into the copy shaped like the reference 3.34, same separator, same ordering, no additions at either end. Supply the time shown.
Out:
7.48
